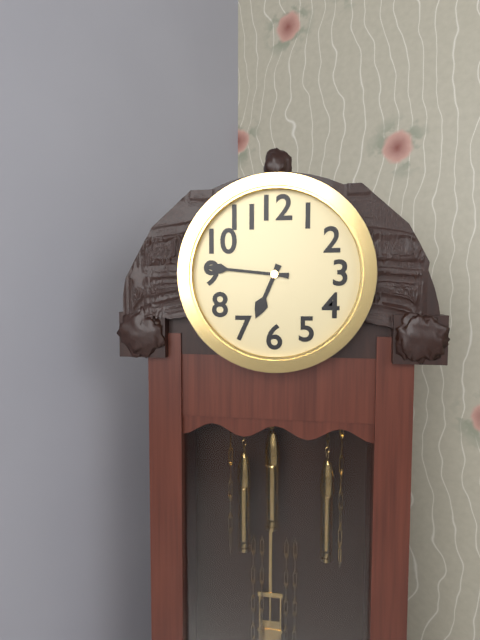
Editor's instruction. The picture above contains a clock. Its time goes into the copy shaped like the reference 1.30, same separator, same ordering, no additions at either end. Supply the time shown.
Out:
6.46
